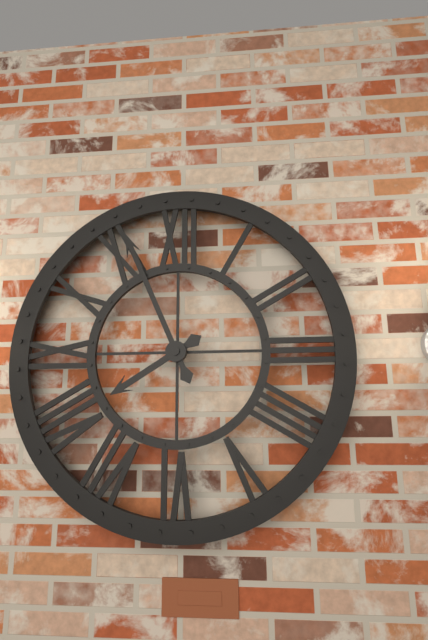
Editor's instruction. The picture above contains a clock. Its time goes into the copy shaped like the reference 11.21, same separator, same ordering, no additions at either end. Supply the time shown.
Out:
7.56
